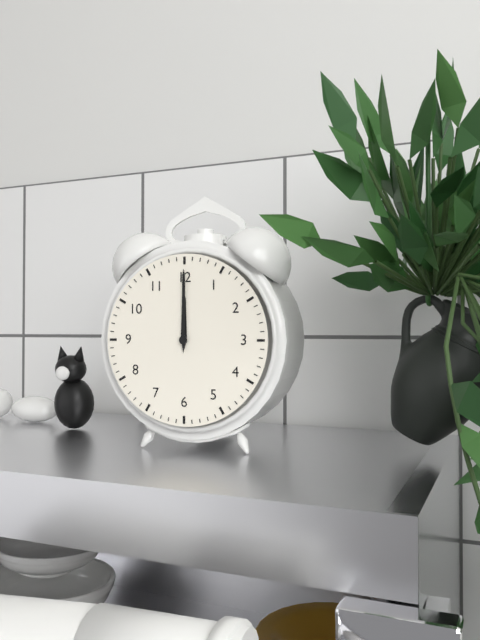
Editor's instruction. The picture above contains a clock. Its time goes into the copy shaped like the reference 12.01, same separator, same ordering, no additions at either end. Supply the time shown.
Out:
12.00
